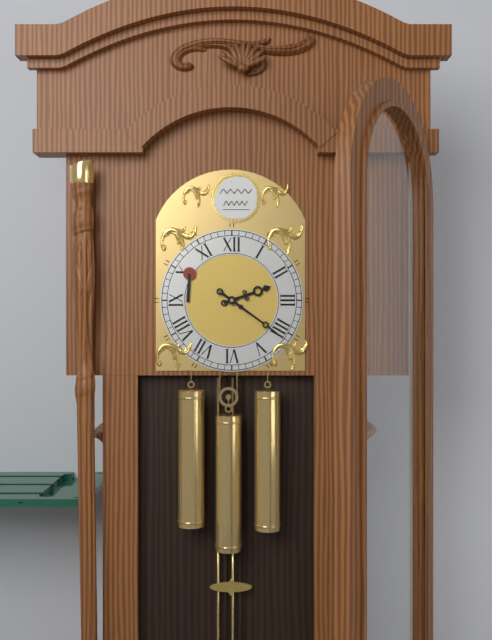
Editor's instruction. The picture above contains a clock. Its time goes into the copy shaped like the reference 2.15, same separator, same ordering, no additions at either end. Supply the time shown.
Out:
2.21
